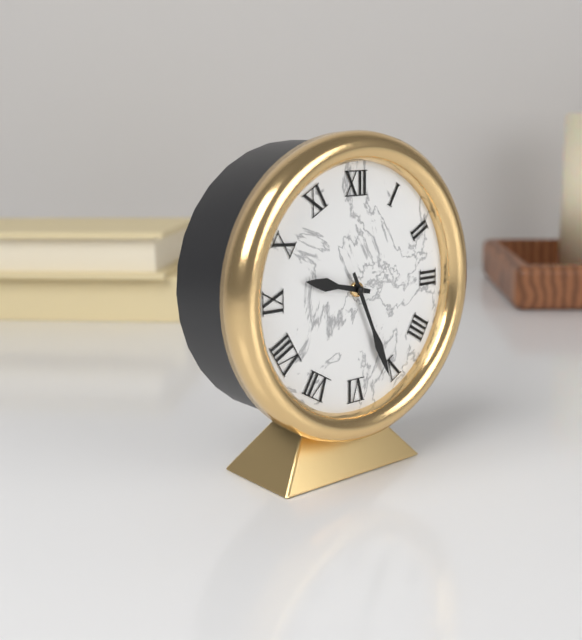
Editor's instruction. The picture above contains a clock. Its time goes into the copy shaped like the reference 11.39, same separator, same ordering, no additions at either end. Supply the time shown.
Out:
9.26
